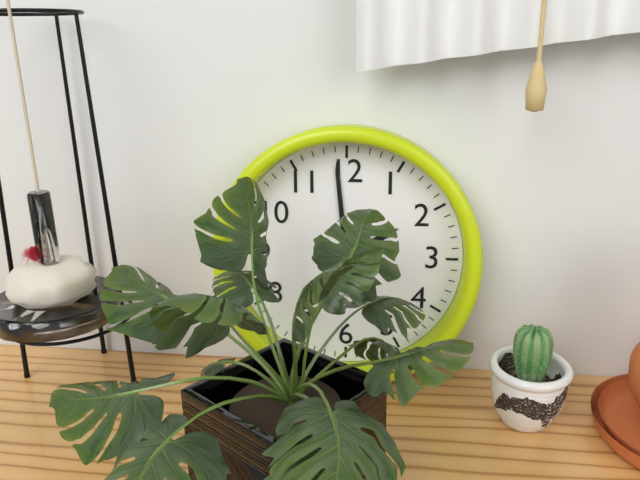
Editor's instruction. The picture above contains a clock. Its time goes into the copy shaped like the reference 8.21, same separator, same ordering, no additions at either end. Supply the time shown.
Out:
1.59
